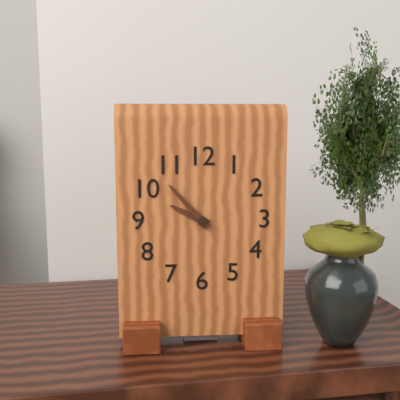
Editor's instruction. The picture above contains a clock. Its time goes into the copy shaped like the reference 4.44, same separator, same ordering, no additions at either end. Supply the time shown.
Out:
9.53
